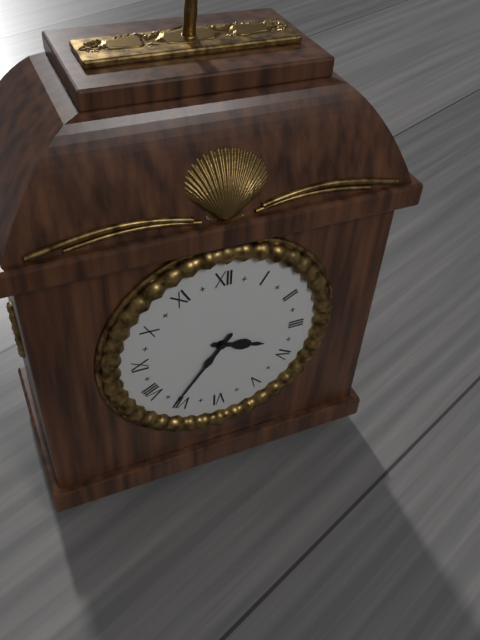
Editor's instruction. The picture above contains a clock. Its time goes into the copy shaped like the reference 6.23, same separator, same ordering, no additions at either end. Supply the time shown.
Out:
3.36
